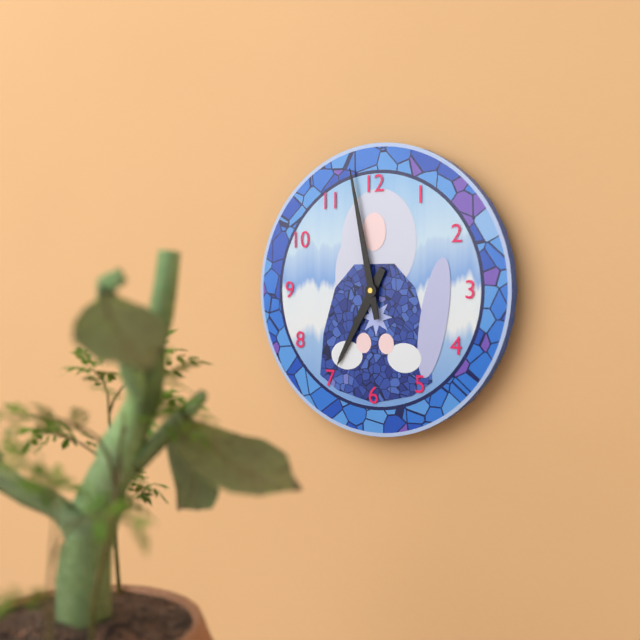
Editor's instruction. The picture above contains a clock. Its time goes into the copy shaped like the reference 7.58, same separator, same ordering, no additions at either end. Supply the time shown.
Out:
6.58
